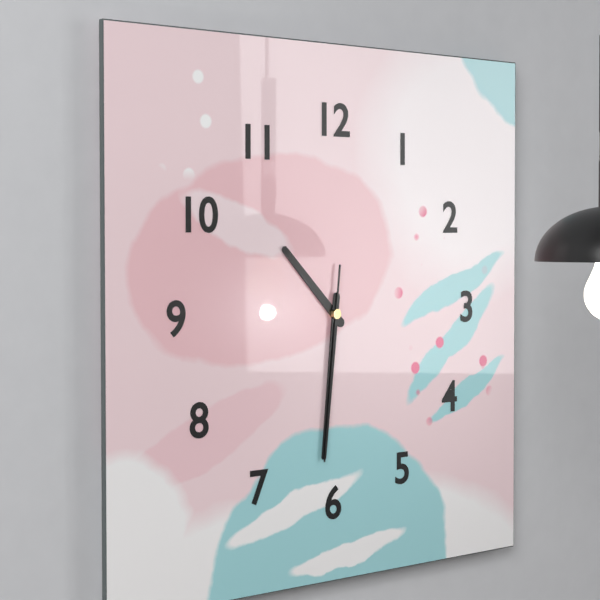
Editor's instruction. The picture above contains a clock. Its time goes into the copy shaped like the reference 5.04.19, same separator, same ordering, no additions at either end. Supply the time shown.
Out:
10.31.31
